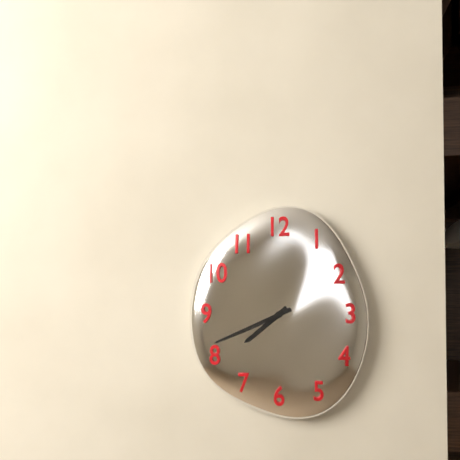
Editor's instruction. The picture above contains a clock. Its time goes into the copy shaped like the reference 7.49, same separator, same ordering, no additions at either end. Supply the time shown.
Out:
7.41
